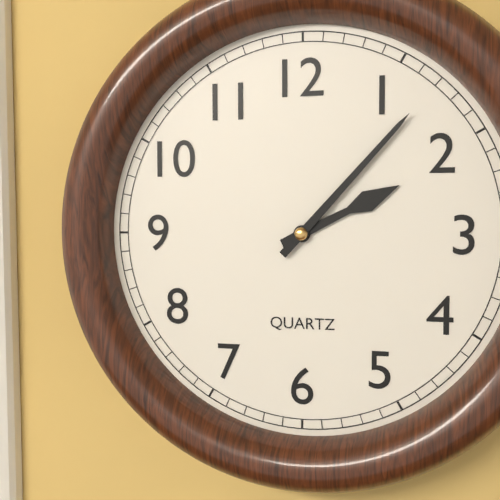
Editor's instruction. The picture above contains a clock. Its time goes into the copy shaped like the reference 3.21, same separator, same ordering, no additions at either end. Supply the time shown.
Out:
2.07
